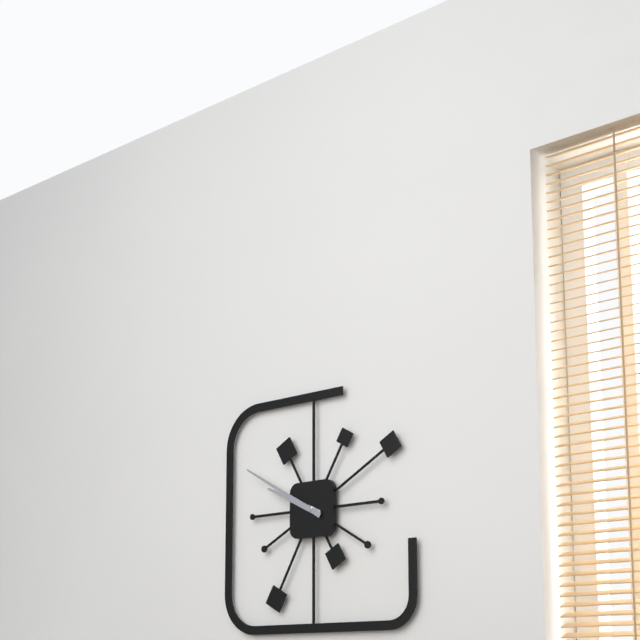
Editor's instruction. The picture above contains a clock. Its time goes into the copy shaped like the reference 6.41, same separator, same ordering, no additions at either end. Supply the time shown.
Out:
9.50
